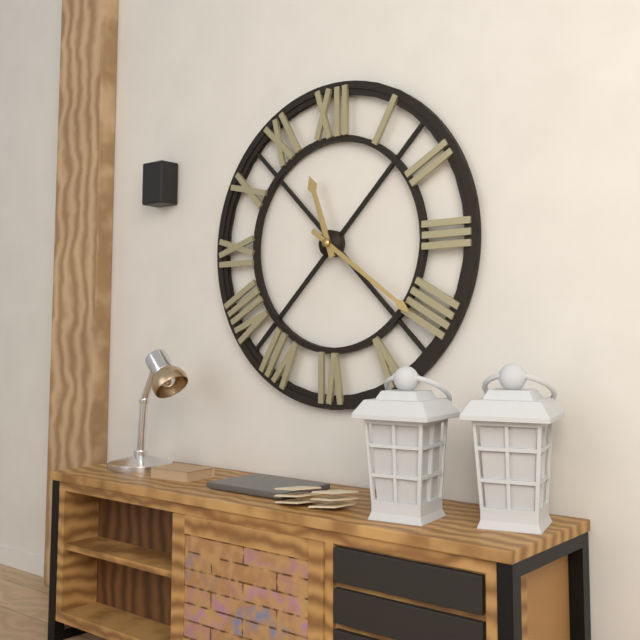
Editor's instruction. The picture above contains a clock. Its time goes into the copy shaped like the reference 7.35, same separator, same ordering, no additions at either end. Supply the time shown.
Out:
11.21
